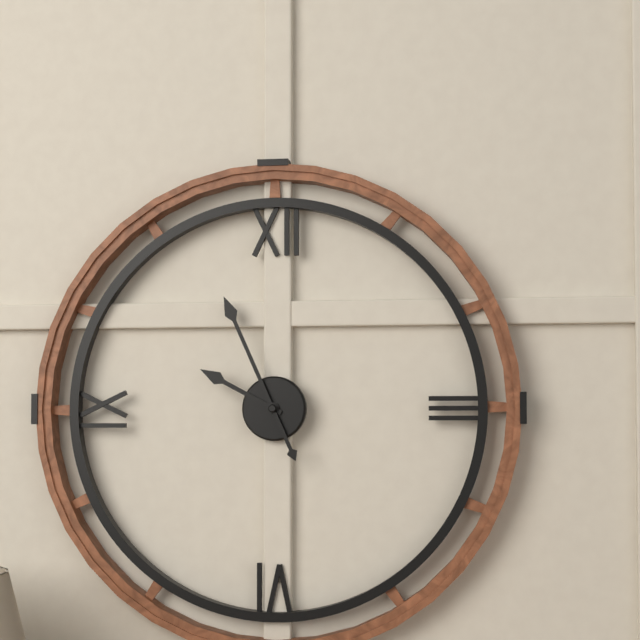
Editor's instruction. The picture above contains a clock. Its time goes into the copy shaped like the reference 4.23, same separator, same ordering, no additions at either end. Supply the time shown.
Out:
9.56
